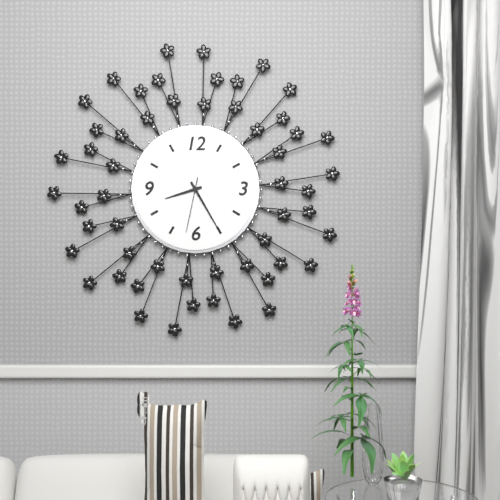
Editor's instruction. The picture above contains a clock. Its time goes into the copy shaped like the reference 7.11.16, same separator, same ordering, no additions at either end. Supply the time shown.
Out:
8.25.32
